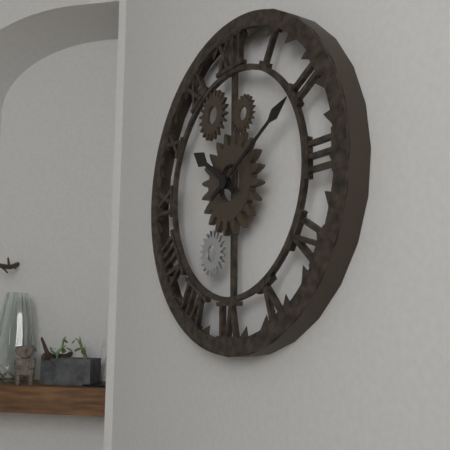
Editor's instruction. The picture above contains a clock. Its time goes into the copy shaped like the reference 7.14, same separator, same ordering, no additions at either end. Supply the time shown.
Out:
10.10
